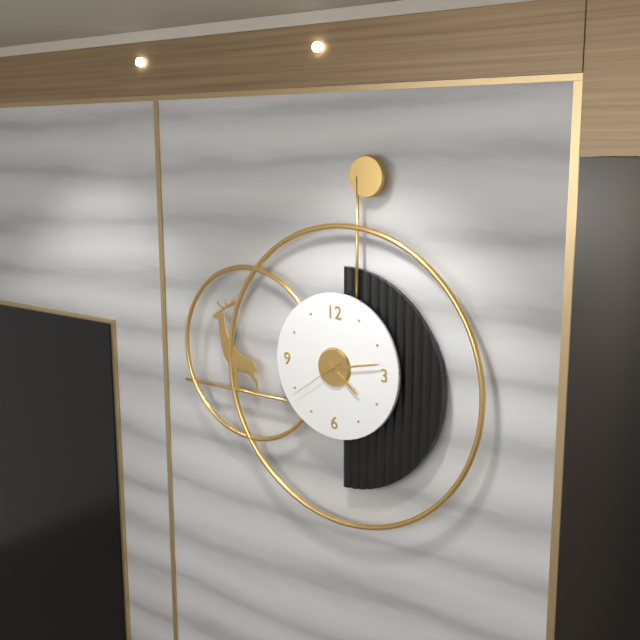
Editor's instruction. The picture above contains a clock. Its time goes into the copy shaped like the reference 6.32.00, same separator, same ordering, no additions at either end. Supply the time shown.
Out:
4.13.39
